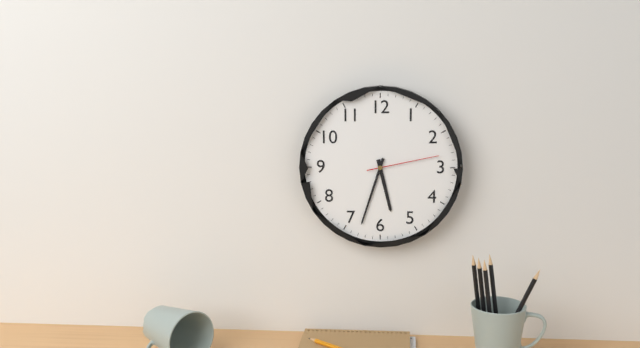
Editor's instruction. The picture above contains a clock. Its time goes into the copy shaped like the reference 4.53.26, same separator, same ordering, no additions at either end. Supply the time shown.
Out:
5.33.13
